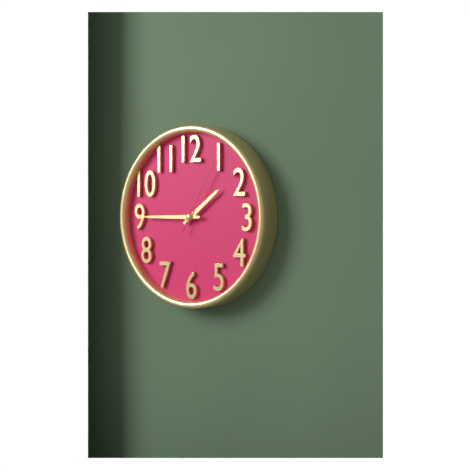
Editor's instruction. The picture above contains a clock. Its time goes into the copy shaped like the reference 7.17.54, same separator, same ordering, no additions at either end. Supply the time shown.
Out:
1.45.05
